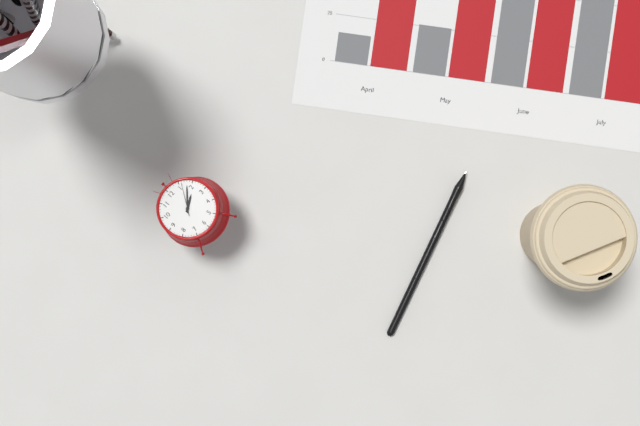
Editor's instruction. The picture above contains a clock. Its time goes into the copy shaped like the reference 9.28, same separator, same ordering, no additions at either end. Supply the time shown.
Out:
2.08
